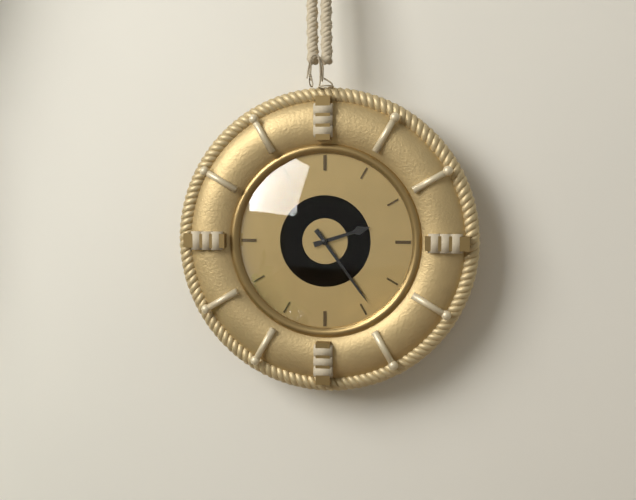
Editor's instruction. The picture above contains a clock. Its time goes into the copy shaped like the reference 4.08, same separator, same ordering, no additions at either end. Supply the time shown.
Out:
2.24
